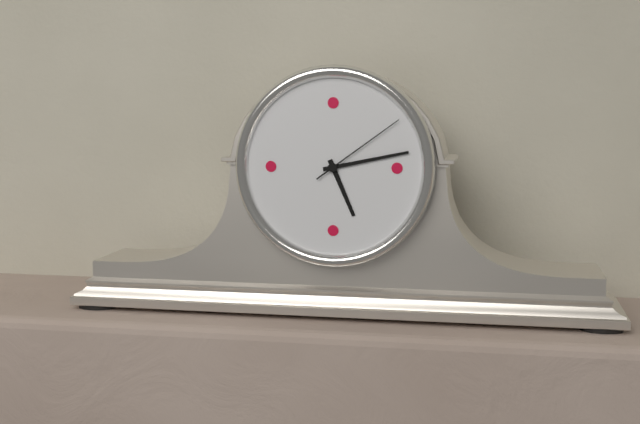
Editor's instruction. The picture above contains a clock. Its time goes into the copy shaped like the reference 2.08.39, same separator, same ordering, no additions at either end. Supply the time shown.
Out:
5.13.09
